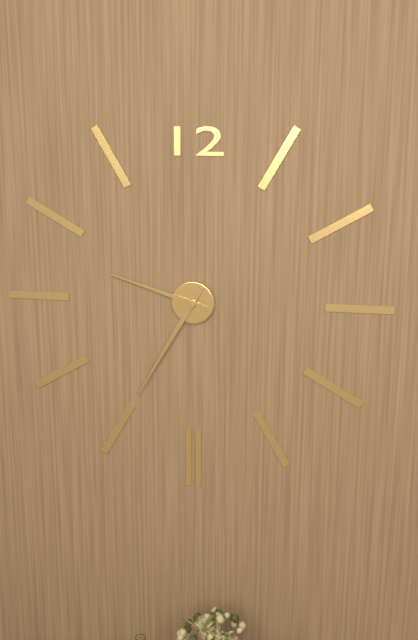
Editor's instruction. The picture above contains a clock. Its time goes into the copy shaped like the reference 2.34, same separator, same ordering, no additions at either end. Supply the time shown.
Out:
9.35
